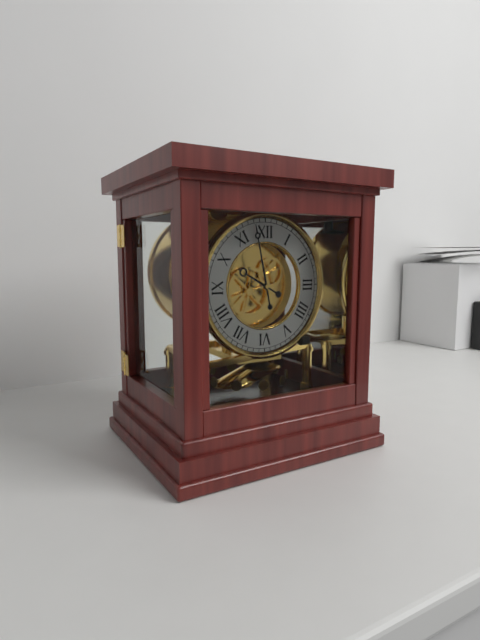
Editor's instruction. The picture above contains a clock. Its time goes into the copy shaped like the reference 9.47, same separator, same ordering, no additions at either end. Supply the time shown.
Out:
9.58
